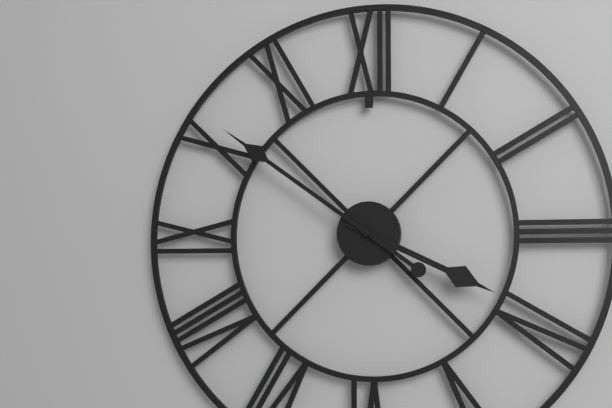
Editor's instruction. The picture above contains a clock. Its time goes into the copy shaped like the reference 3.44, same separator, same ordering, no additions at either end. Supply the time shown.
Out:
3.51
